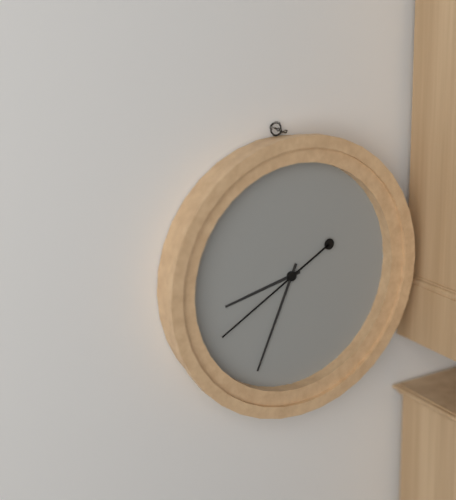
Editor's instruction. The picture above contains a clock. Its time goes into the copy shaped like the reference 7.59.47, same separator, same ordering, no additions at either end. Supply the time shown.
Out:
8.34.40
